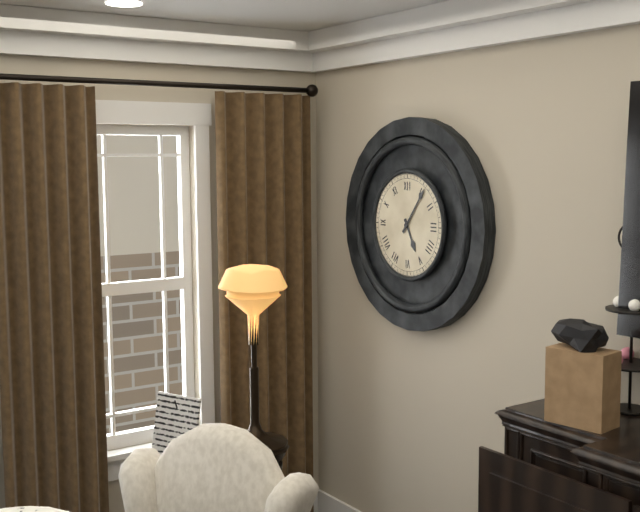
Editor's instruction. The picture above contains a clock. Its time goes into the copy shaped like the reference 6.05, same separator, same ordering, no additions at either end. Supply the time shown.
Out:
5.06
